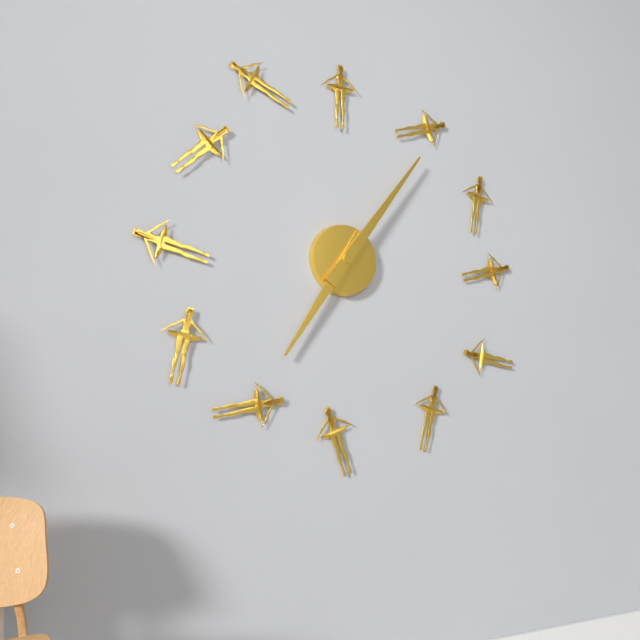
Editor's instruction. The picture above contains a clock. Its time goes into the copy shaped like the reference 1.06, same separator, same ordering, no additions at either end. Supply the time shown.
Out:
7.06
